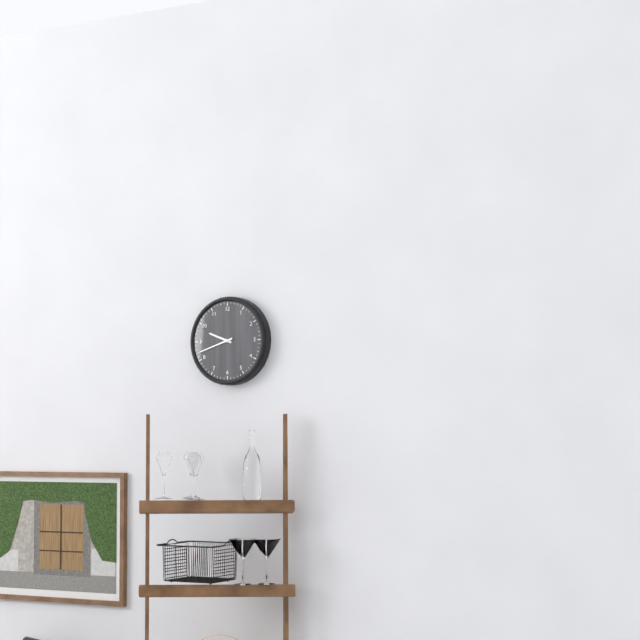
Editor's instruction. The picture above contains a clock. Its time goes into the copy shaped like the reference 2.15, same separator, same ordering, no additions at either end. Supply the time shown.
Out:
9.42
